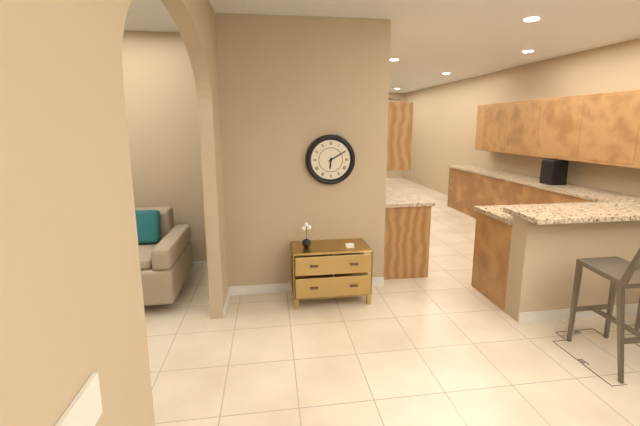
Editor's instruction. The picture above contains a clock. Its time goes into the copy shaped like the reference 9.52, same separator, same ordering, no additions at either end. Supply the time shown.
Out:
6.10
